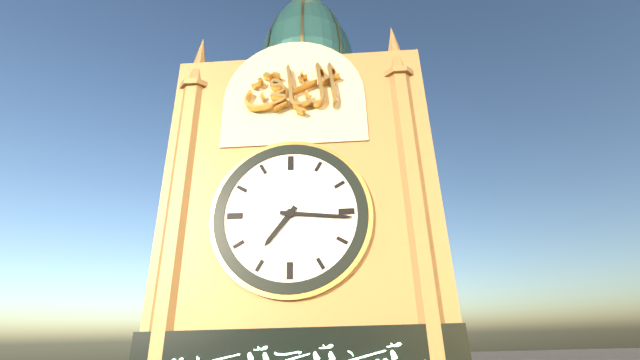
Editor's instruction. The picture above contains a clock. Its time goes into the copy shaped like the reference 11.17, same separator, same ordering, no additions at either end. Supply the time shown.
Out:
7.16
